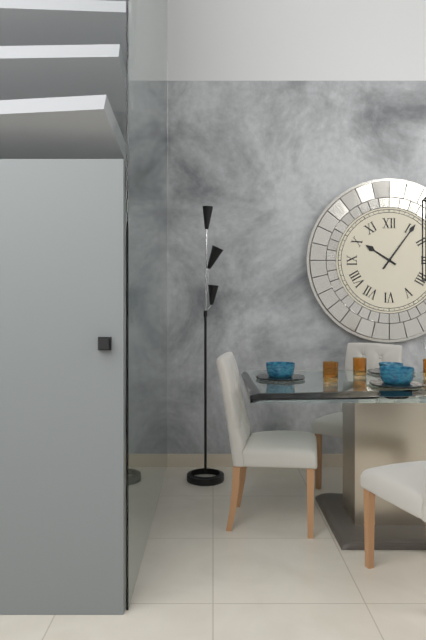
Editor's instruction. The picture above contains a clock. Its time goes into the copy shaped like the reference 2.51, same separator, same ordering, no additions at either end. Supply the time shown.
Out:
10.06
